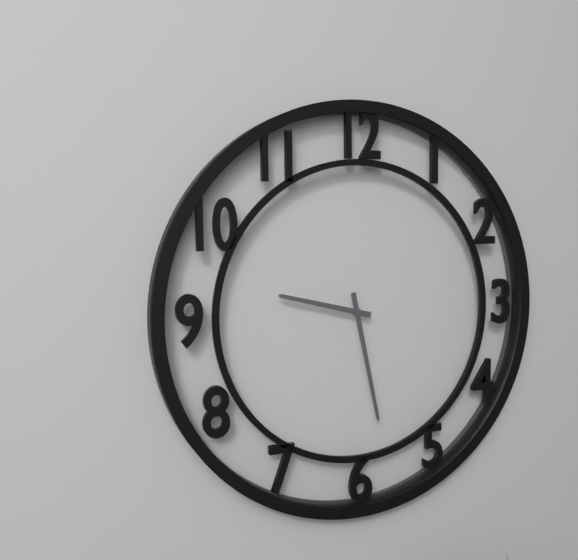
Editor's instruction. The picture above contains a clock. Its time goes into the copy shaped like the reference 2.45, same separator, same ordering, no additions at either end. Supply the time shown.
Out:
9.28
